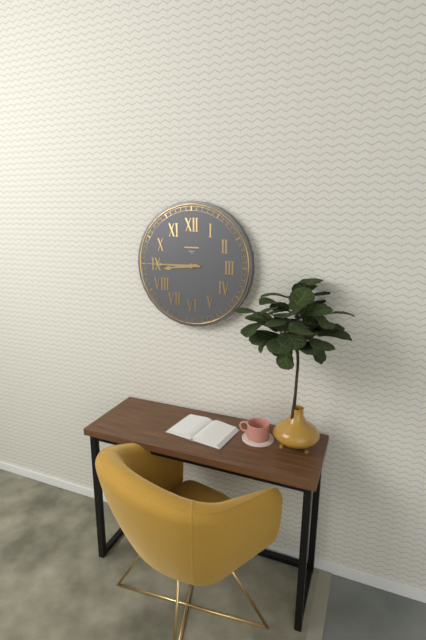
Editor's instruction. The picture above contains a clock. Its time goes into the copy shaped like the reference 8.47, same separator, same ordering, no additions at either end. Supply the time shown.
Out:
8.45
